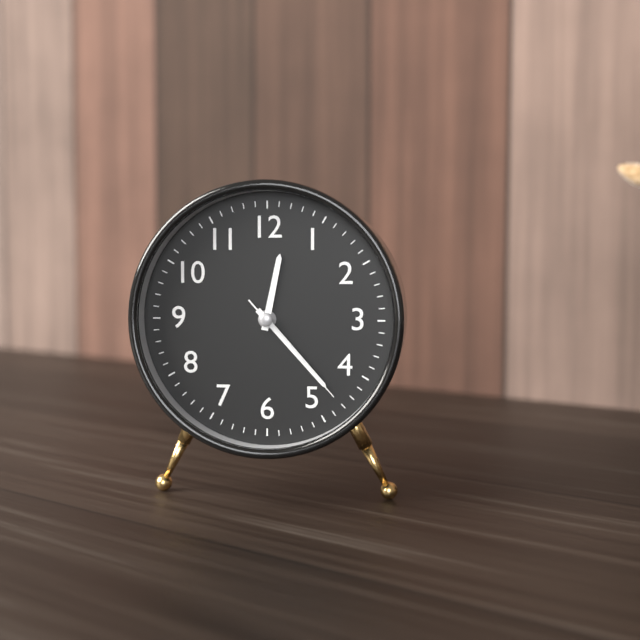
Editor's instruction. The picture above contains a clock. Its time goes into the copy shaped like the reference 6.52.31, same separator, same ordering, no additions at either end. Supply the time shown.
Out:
12.23.23
